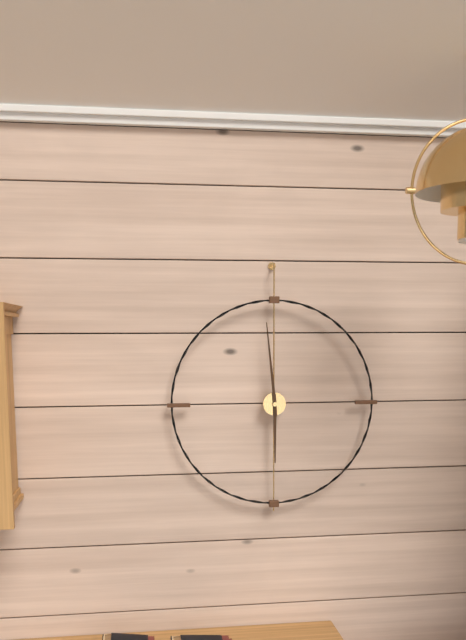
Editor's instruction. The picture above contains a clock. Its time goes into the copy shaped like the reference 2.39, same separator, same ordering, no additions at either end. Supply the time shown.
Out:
5.59
